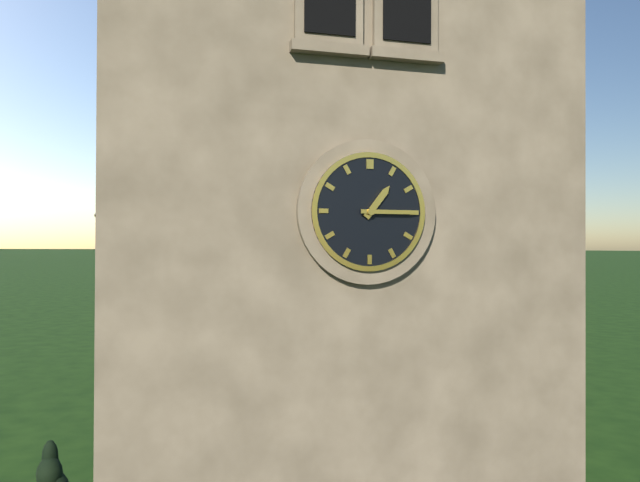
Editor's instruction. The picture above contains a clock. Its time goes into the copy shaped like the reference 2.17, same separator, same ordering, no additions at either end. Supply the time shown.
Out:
1.15
